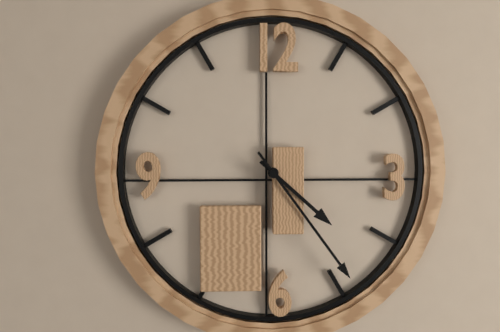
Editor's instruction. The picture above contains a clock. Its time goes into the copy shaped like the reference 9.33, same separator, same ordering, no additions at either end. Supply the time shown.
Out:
4.24
